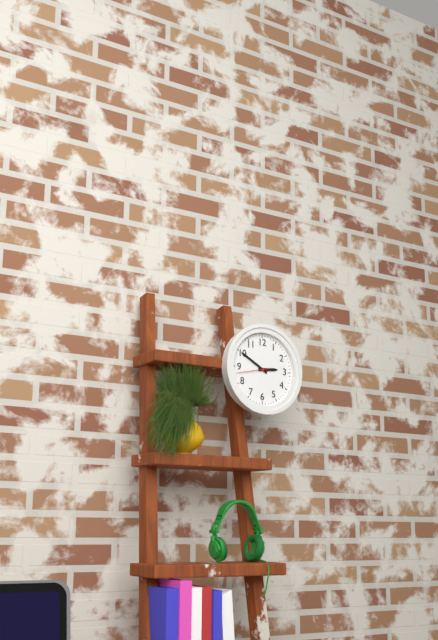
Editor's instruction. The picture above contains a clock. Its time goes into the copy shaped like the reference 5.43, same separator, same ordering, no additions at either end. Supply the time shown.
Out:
2.50
